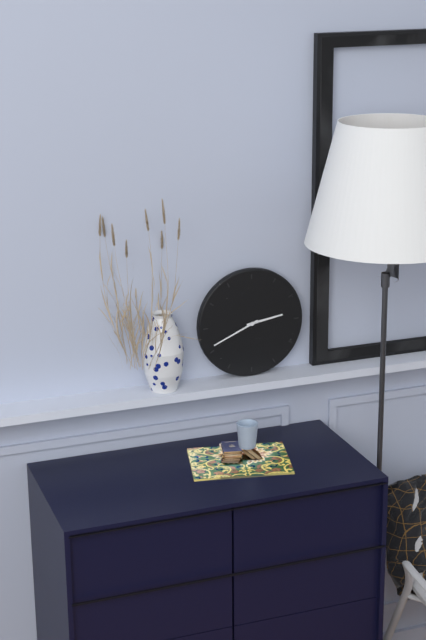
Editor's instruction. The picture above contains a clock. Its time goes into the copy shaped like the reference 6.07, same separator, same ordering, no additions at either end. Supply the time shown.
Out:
2.41
